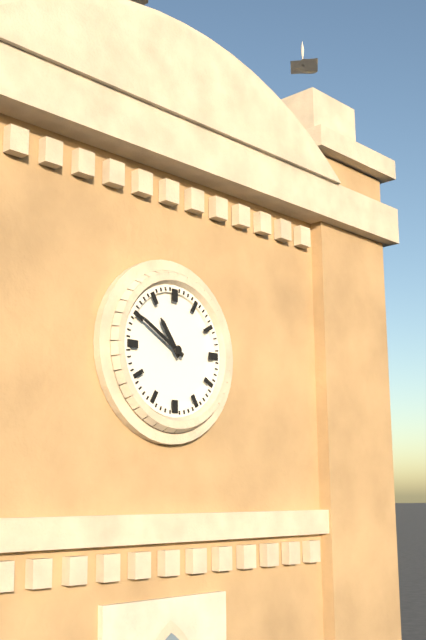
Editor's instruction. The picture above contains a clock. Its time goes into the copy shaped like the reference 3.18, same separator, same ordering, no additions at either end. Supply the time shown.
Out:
10.50
